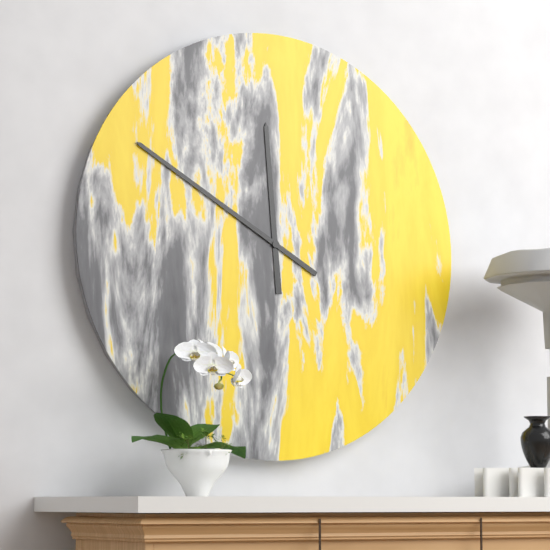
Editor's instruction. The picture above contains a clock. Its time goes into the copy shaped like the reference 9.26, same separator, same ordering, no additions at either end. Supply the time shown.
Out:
11.50
